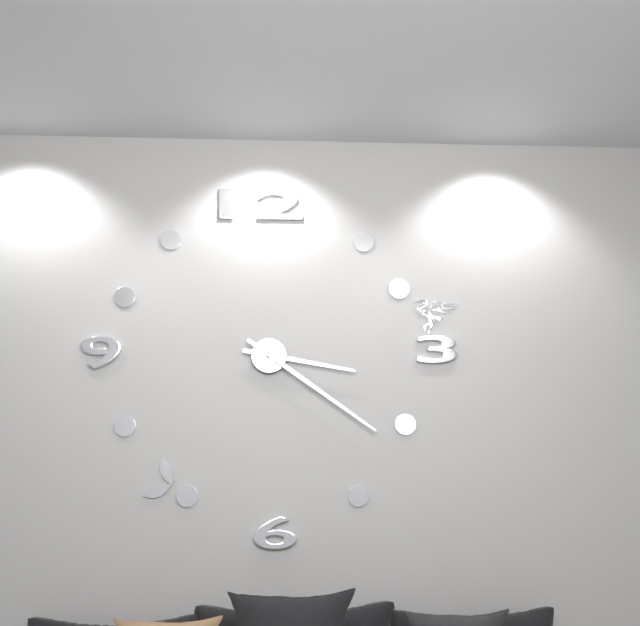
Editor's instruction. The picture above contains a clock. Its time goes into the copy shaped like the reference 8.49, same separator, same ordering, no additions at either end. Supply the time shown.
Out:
3.21
